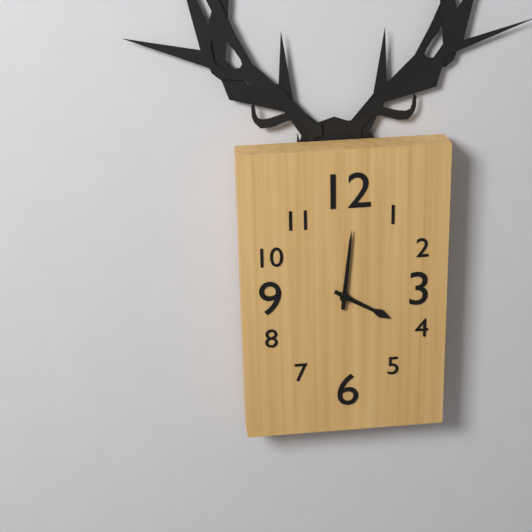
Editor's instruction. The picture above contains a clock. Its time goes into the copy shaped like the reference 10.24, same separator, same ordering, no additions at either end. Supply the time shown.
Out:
4.01
